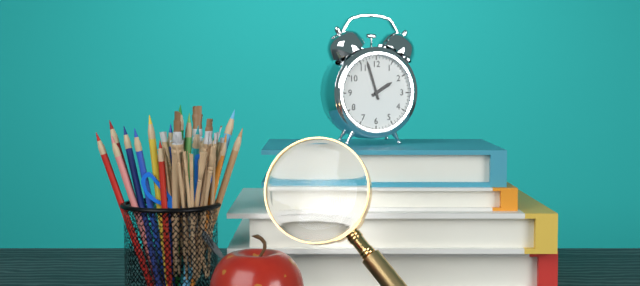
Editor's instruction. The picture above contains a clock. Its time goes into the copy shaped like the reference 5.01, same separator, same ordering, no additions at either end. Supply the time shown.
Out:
1.57
